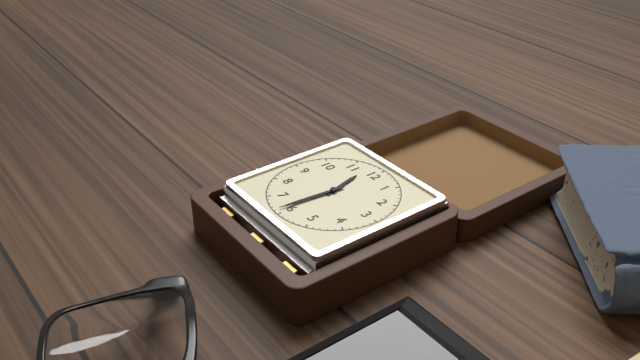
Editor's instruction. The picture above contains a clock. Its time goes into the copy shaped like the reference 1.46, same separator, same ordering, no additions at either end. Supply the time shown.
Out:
11.31
